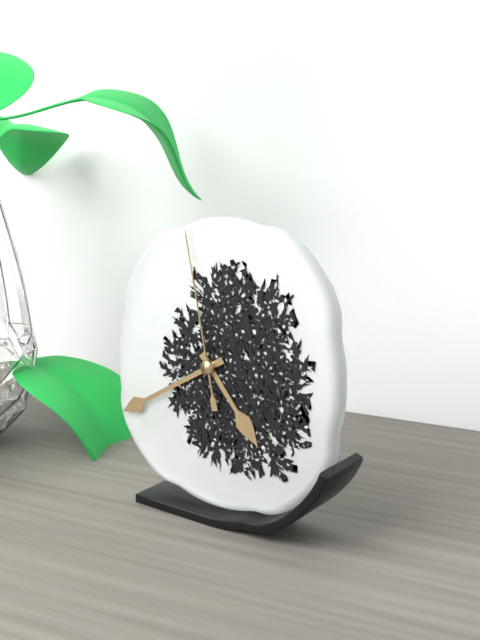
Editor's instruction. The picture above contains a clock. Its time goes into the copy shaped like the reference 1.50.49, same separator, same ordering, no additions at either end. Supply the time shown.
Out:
4.40.58
